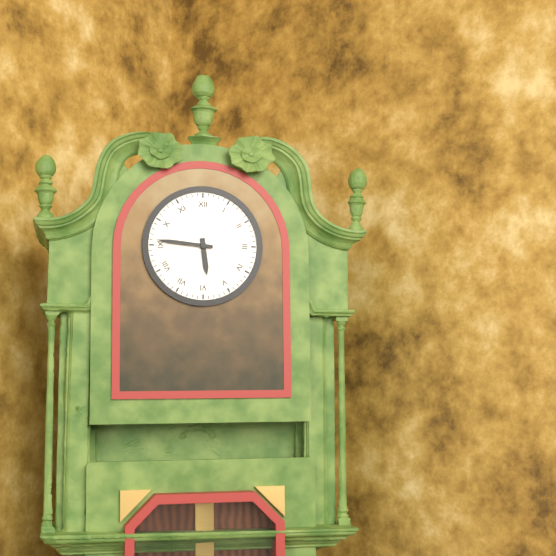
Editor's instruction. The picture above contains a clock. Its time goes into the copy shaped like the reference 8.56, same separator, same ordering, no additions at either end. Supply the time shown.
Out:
5.46
